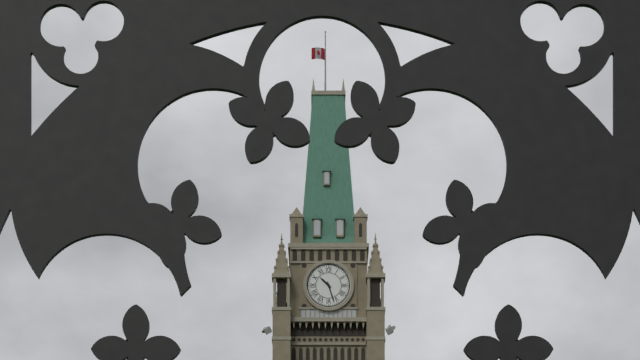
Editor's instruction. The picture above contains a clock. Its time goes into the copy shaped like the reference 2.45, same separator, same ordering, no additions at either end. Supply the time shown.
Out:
10.27
